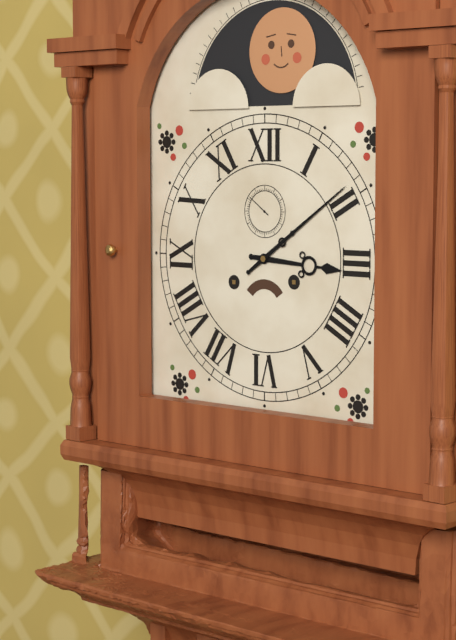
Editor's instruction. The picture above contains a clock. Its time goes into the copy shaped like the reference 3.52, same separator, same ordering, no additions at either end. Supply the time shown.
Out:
3.09
